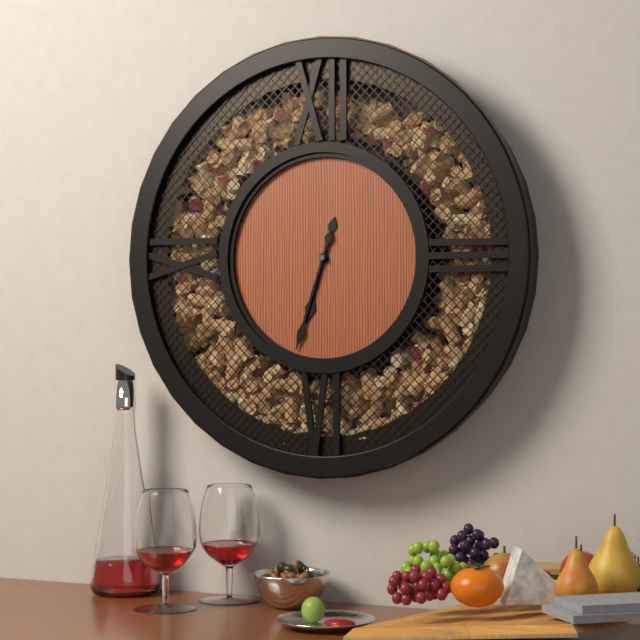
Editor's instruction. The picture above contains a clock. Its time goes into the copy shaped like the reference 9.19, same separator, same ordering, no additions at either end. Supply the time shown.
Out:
6.33
